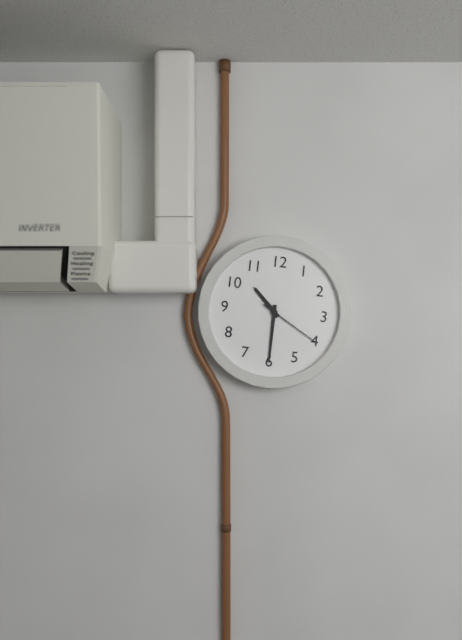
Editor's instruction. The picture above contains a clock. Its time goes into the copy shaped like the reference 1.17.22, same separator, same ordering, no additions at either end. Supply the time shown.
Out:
10.30.20
